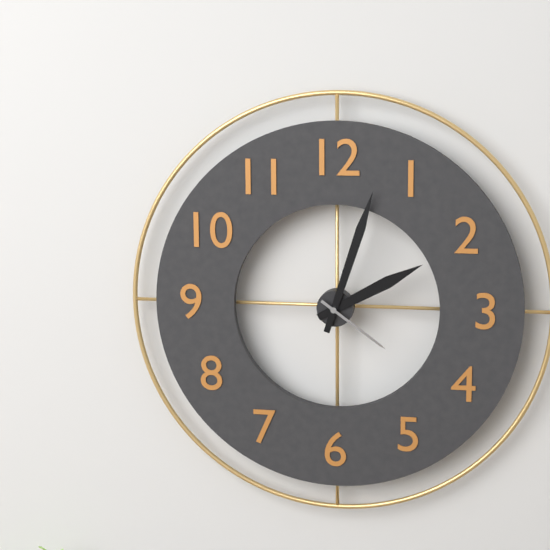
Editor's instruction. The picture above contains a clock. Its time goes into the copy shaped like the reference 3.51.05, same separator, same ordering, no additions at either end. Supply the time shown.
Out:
2.03.21
